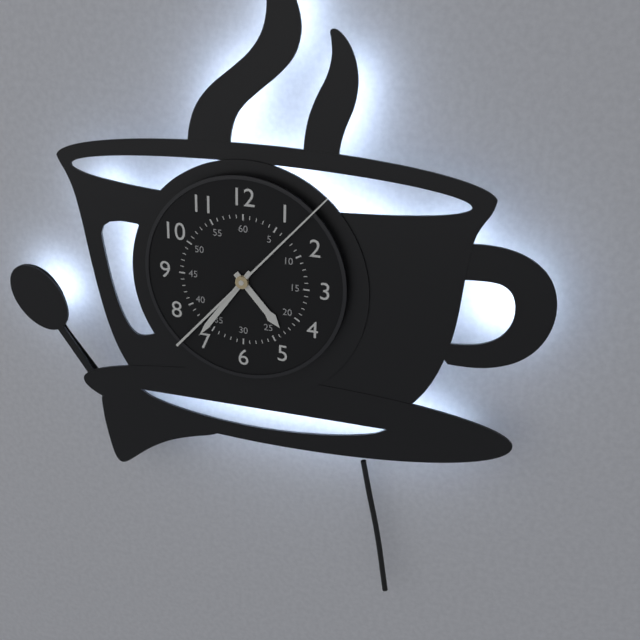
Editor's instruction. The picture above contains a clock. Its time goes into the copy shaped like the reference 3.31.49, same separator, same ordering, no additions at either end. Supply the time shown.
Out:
4.36.07
